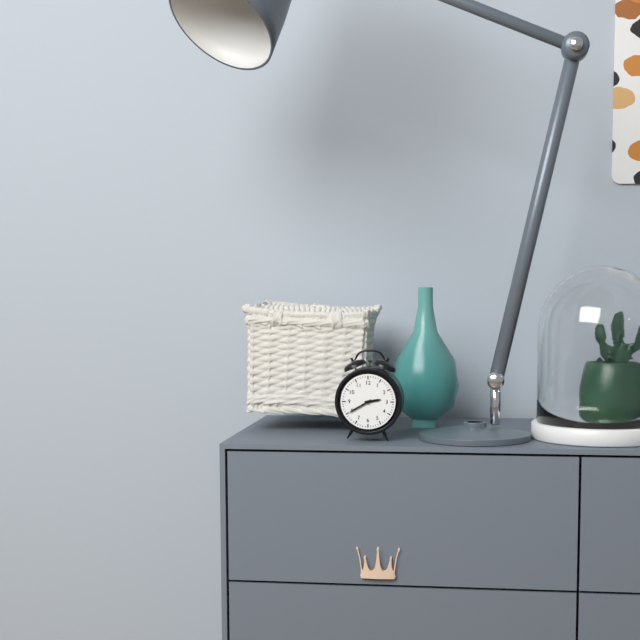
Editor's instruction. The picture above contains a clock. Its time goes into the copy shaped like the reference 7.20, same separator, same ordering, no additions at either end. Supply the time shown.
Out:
2.40
